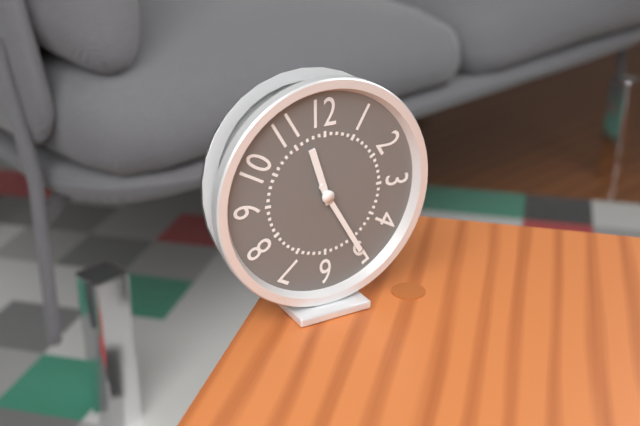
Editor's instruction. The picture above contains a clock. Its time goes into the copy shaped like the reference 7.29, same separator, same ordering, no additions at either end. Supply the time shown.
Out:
11.25
